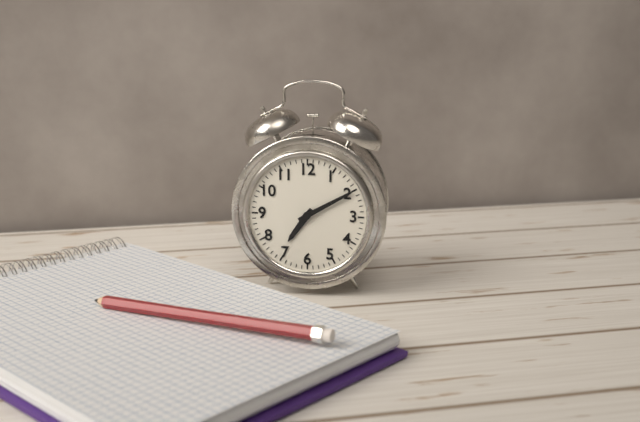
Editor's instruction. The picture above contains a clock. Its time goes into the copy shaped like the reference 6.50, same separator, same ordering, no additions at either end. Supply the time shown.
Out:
7.10
